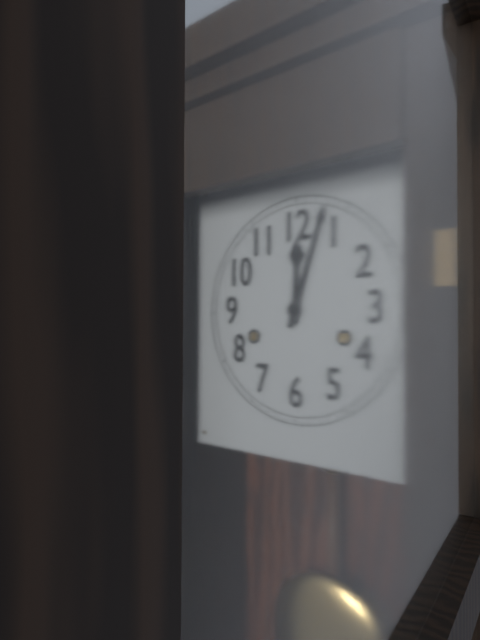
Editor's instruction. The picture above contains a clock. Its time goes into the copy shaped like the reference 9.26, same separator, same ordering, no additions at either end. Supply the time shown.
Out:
12.03
